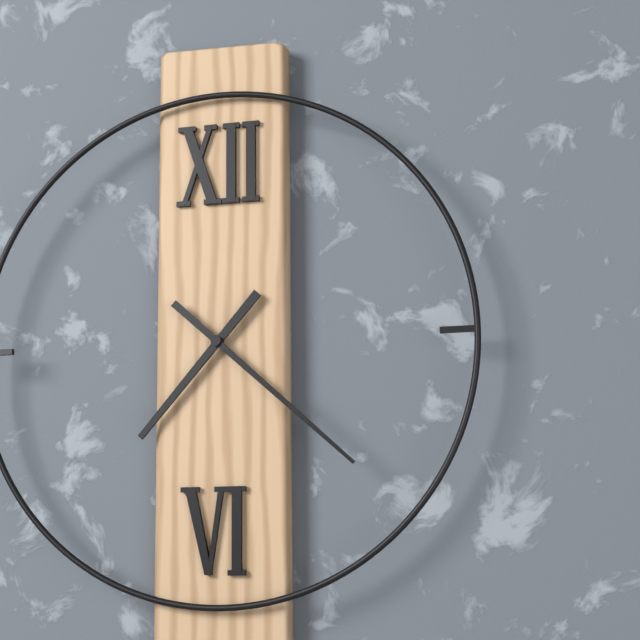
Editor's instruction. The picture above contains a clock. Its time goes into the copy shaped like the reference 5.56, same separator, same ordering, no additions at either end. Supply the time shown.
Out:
7.22
